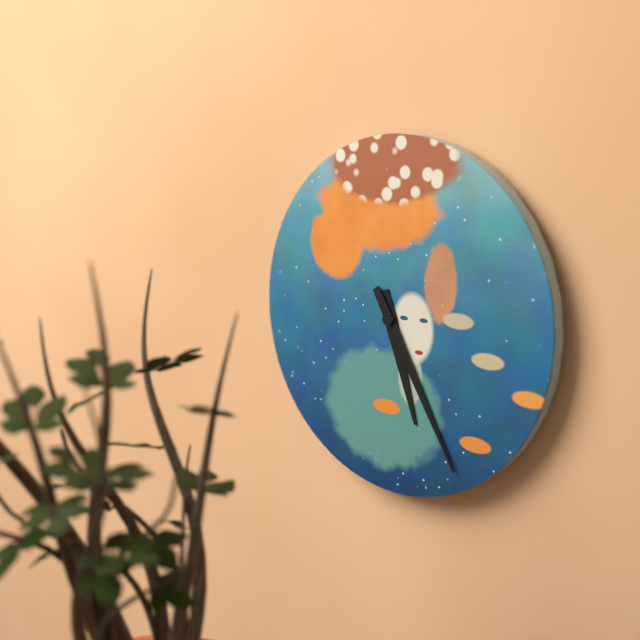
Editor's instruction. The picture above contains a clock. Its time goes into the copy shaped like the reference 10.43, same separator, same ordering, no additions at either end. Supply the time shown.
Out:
5.25
